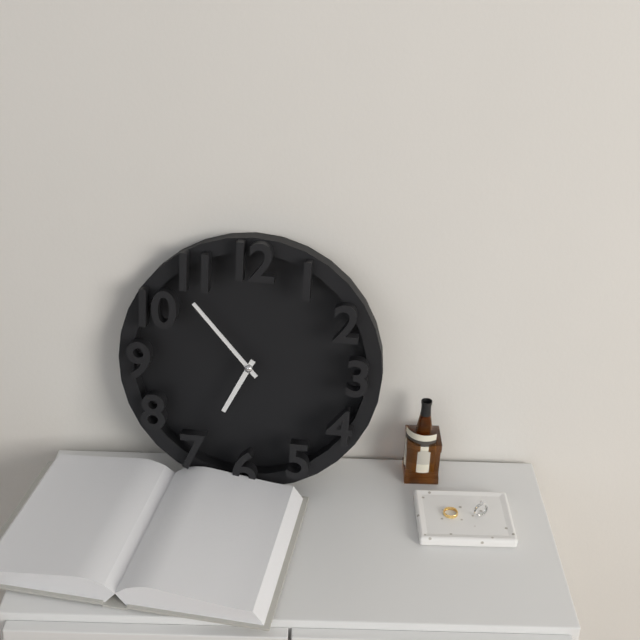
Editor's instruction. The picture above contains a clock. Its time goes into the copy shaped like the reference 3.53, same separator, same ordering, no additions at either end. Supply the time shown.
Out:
6.53
